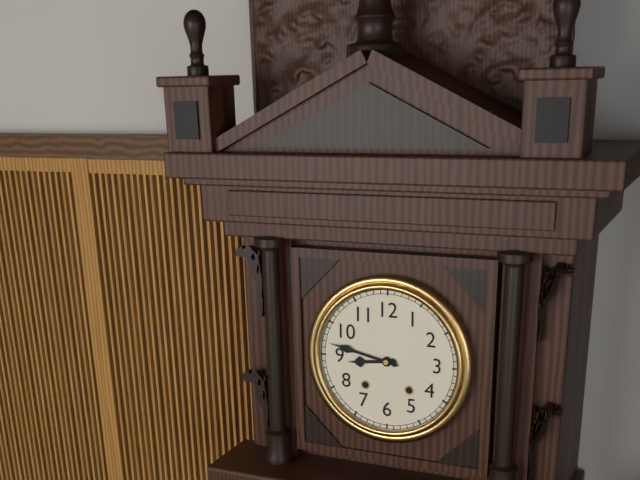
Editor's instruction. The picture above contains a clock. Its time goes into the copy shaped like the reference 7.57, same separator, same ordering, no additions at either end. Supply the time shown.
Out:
8.47
